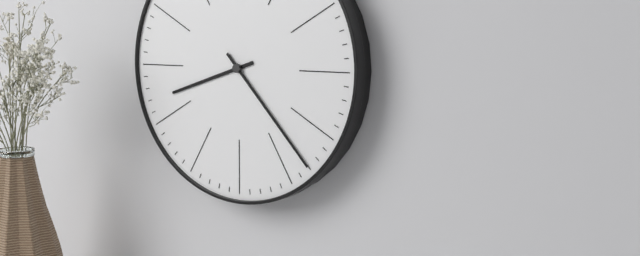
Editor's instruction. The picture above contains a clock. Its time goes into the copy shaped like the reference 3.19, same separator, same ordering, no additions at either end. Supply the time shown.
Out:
8.23
